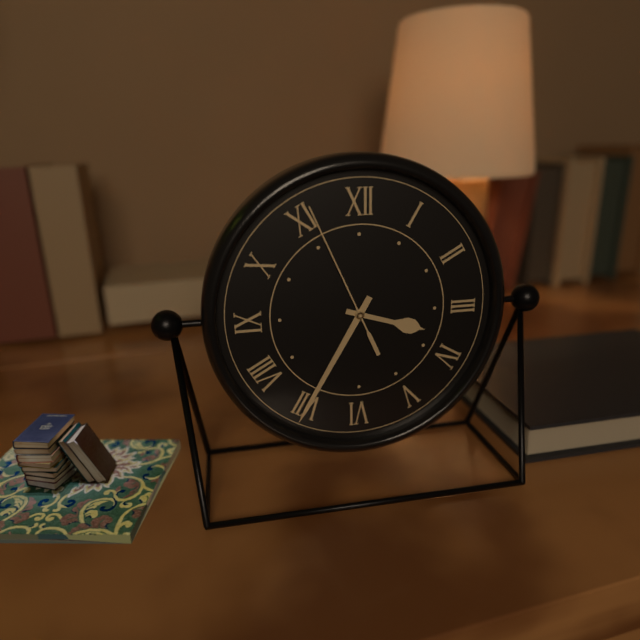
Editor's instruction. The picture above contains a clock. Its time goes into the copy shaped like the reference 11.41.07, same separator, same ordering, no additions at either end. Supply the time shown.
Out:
3.35.56
